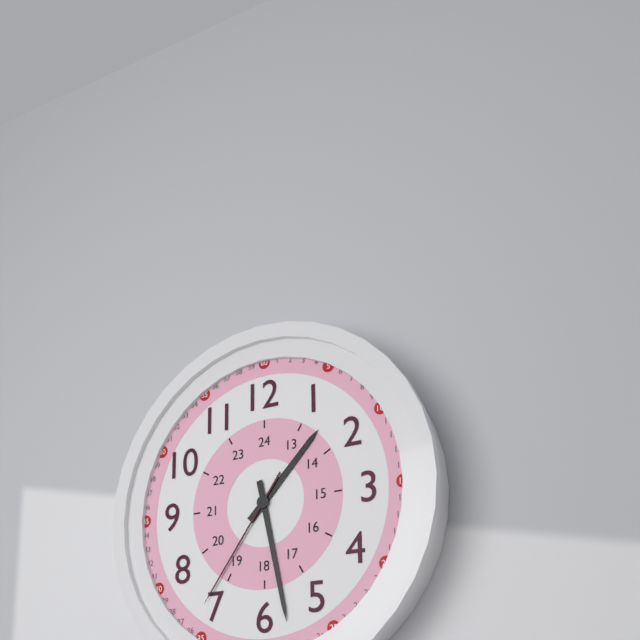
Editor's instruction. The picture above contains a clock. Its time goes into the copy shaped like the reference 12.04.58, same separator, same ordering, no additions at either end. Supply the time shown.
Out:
1.28.36
